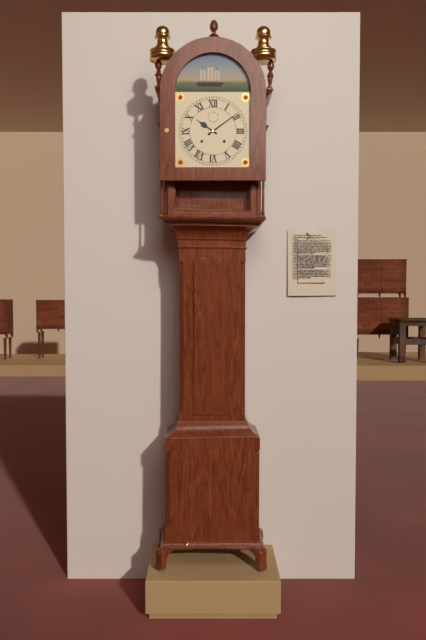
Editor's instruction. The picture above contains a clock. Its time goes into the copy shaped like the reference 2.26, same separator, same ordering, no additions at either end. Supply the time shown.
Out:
10.09
